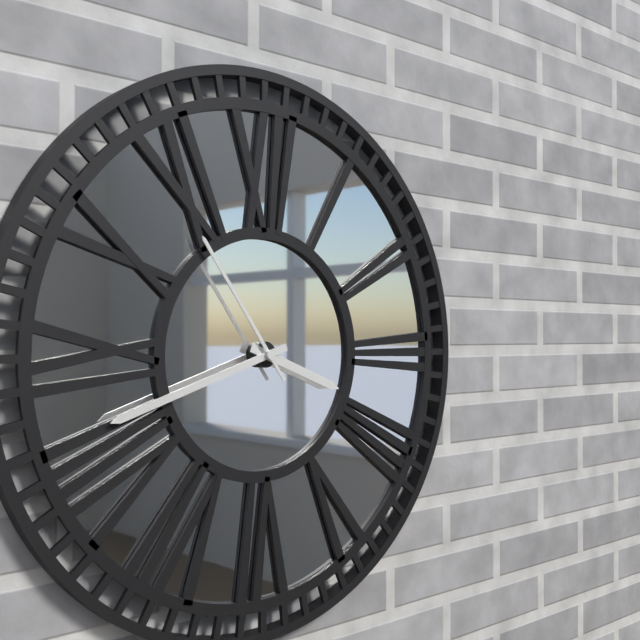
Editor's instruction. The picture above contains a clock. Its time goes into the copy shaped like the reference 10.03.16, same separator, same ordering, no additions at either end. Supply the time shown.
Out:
3.42.54
